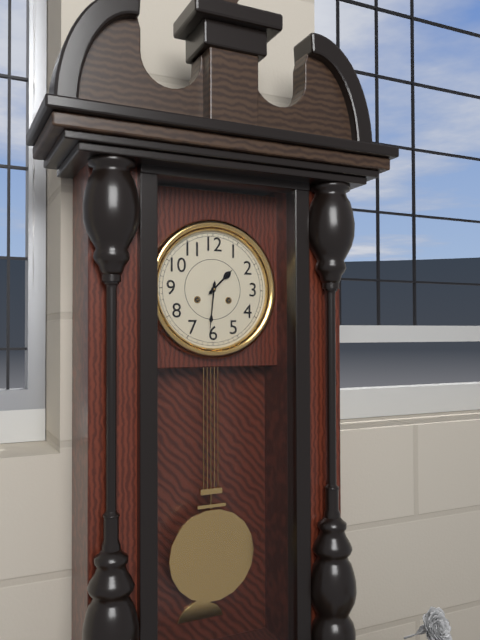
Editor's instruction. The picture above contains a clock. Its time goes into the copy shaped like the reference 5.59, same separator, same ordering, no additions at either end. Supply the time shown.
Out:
1.31
